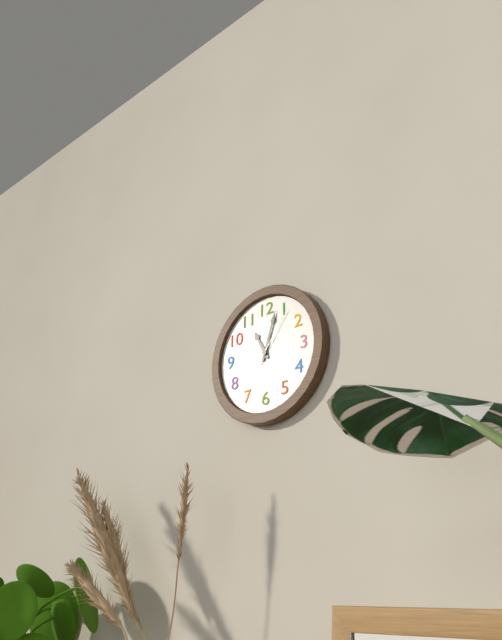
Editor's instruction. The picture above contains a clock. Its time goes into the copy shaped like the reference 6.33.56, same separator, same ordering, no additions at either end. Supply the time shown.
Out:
11.03.06
